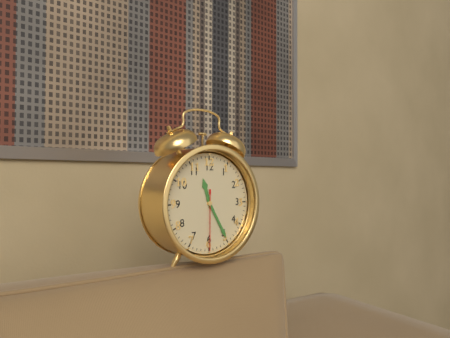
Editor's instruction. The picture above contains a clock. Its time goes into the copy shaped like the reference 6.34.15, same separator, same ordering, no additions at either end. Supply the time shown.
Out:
11.25.30
